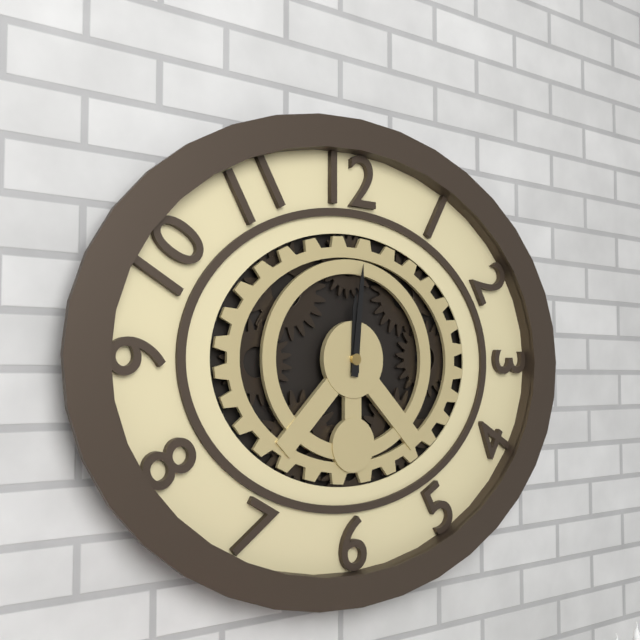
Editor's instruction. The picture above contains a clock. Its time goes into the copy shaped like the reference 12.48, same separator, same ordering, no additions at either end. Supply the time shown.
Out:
12.01
